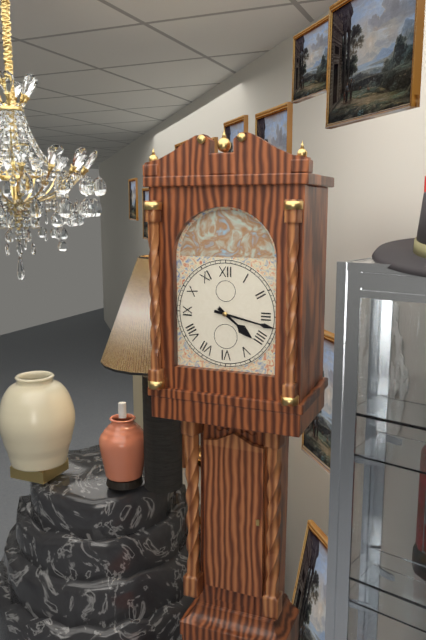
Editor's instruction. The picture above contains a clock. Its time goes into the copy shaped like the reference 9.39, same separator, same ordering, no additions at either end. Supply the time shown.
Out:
4.17
